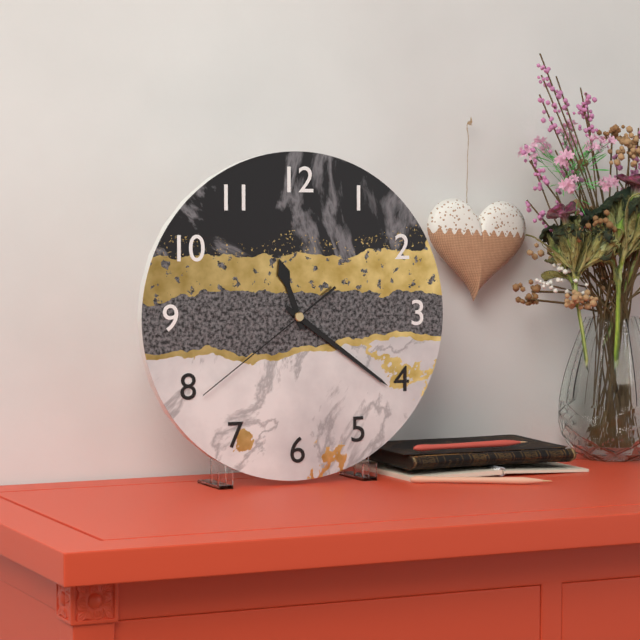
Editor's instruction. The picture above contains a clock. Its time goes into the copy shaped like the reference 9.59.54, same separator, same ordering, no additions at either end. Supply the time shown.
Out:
11.21.39
